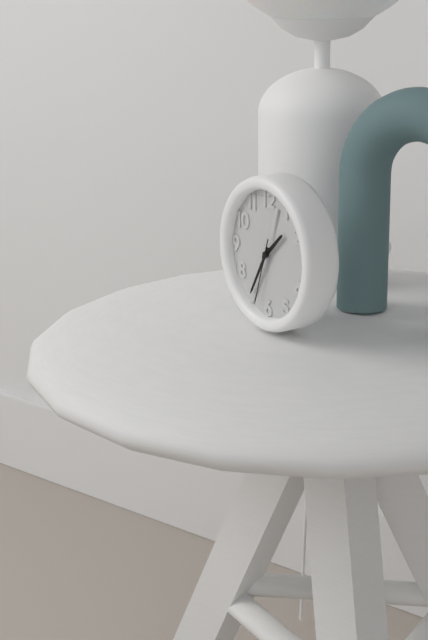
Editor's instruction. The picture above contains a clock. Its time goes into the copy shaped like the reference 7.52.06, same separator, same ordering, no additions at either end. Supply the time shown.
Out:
1.35.33
